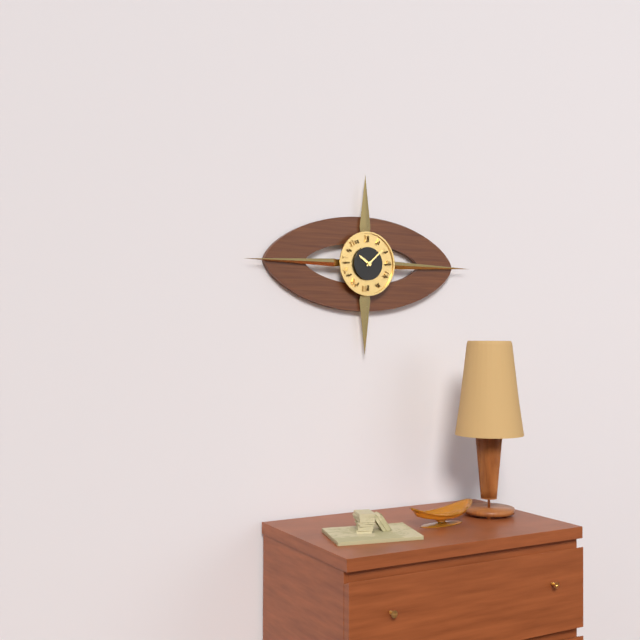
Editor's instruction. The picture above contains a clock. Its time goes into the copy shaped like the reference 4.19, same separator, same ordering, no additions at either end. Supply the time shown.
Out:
10.08
